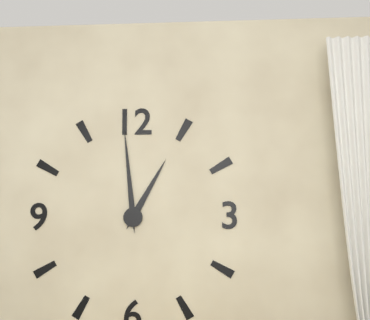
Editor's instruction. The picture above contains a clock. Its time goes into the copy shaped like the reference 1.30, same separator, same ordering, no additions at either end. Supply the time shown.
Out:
12.59
